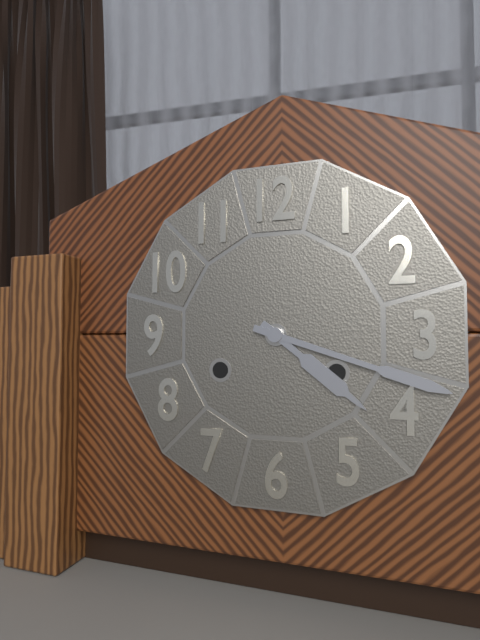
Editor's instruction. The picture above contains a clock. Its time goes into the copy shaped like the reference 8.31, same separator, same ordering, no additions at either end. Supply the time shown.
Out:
4.18
